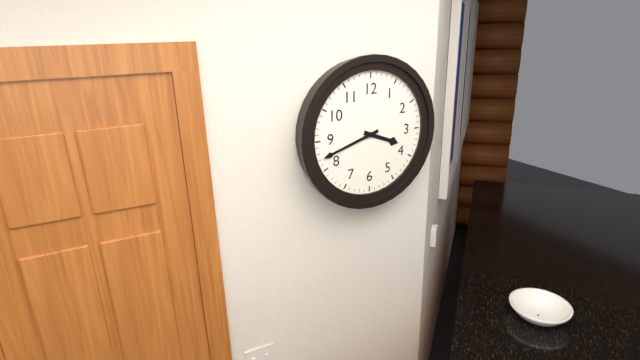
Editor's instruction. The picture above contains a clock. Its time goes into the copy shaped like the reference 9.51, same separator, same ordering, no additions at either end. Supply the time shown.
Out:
3.42
